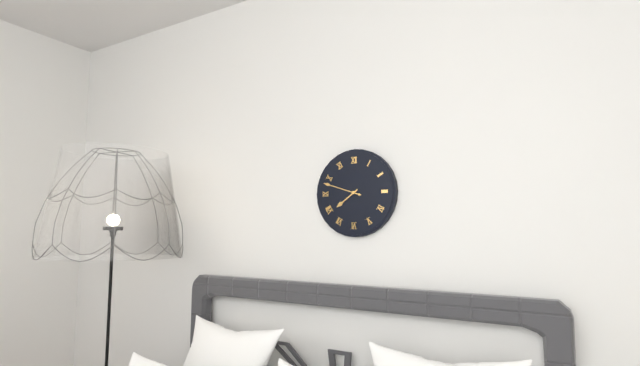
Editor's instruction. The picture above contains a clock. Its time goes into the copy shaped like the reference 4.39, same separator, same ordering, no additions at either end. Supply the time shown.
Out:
7.48
